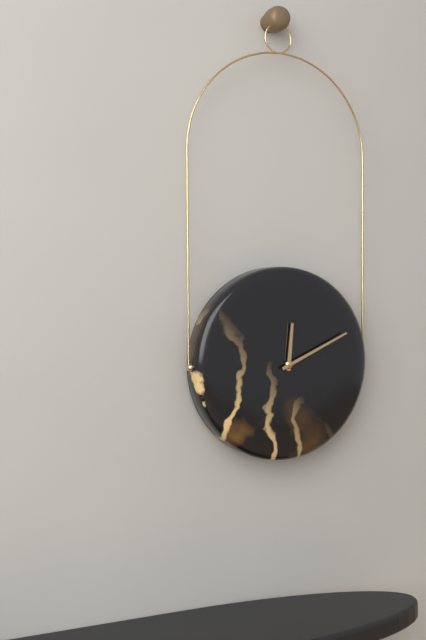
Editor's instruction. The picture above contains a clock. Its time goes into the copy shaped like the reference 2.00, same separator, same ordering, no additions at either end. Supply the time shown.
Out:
12.11
